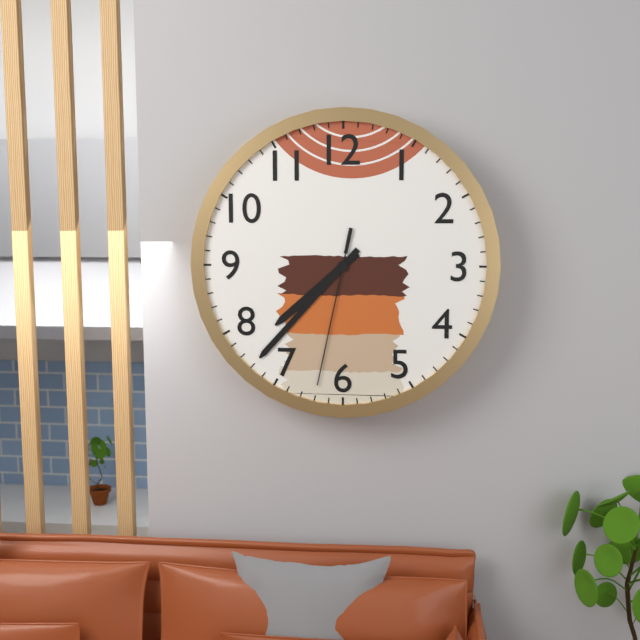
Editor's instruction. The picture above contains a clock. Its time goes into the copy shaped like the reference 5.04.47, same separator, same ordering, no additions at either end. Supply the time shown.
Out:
7.37.32
